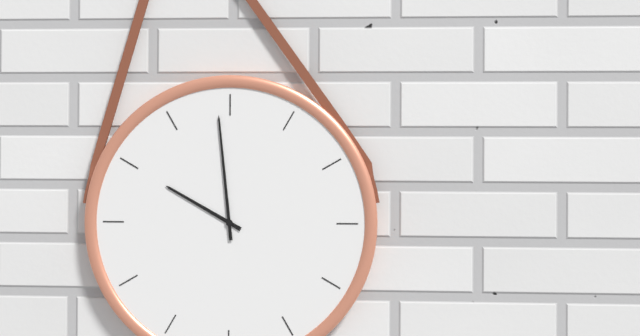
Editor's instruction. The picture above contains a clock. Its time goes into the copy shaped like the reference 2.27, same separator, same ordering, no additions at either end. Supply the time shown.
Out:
9.59
